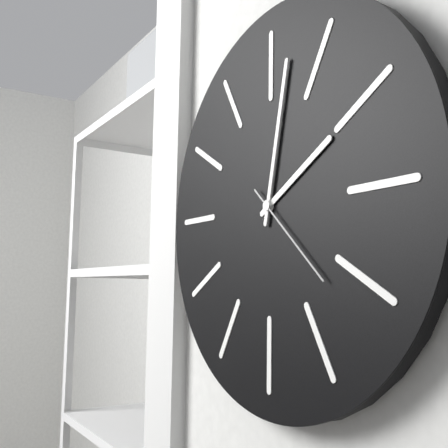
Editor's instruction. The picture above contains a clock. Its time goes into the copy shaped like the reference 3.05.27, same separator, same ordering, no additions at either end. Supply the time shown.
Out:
2.02.22
